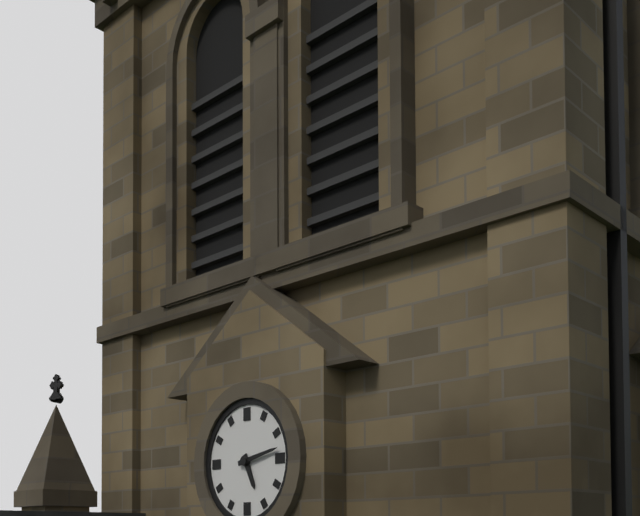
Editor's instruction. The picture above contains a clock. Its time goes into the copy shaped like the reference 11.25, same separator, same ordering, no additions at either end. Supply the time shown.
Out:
5.13
